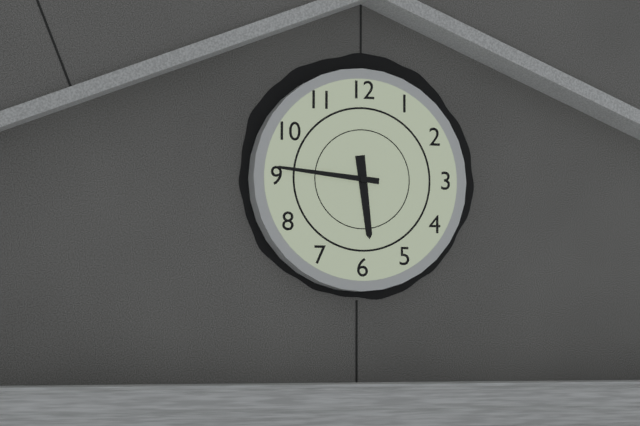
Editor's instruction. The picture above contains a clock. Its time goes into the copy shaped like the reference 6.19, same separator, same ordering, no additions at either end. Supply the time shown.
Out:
5.46
